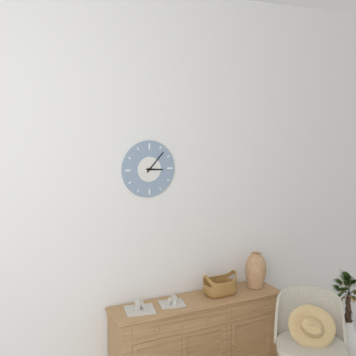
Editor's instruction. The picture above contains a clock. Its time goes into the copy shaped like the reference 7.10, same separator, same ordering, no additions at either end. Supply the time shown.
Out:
3.07
